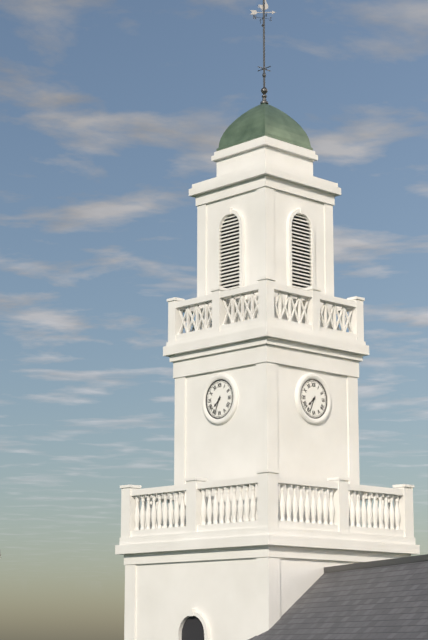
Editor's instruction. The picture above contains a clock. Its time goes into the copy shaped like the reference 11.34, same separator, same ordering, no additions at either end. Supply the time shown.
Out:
7.34
